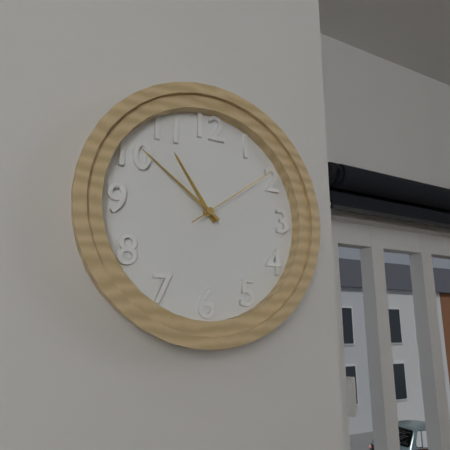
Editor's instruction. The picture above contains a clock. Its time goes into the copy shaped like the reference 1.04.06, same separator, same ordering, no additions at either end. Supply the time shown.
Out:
10.51.09
